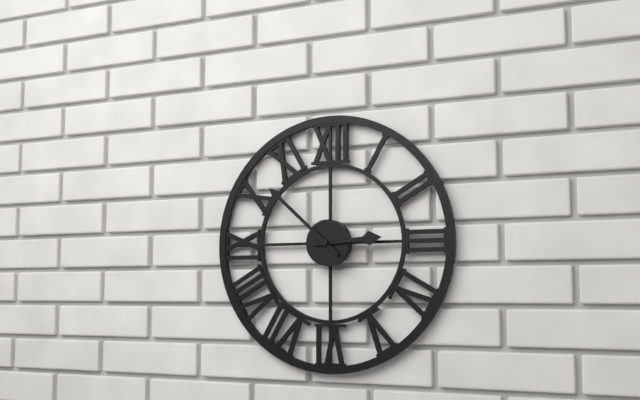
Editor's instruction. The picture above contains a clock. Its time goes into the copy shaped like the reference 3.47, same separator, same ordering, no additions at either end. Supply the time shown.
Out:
2.52
